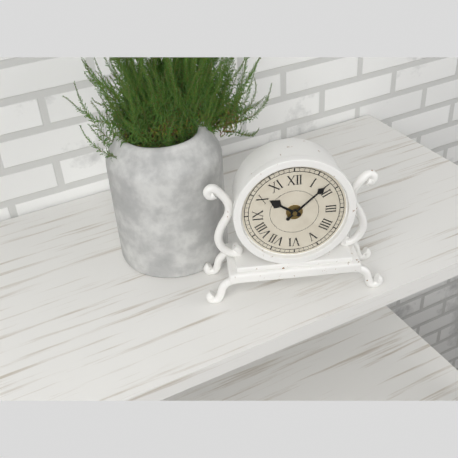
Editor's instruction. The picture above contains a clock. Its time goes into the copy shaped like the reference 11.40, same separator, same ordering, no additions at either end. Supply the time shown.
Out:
10.08
